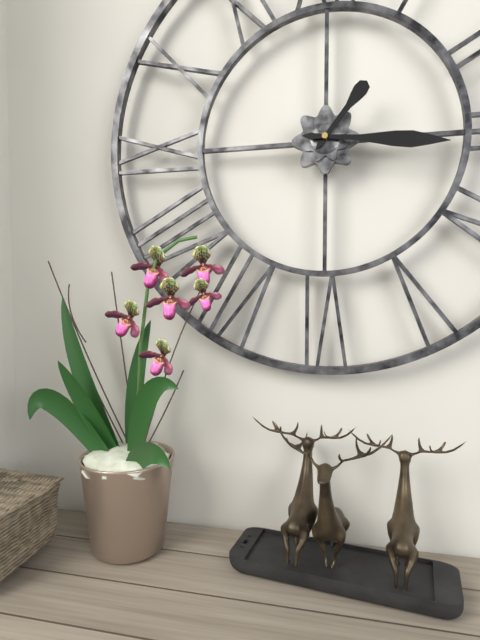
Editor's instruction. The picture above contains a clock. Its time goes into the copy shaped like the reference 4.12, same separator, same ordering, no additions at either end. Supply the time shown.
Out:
1.16
